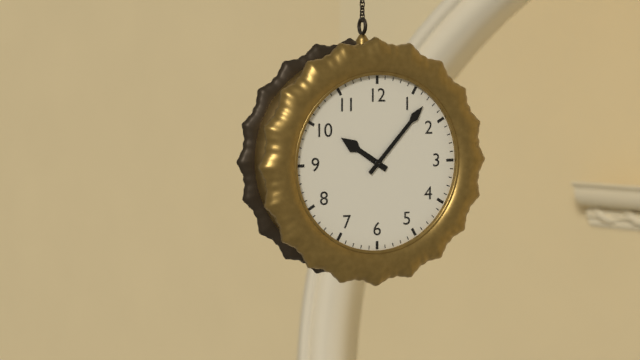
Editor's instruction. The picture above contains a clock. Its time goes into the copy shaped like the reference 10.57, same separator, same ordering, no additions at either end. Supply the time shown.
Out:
10.07
